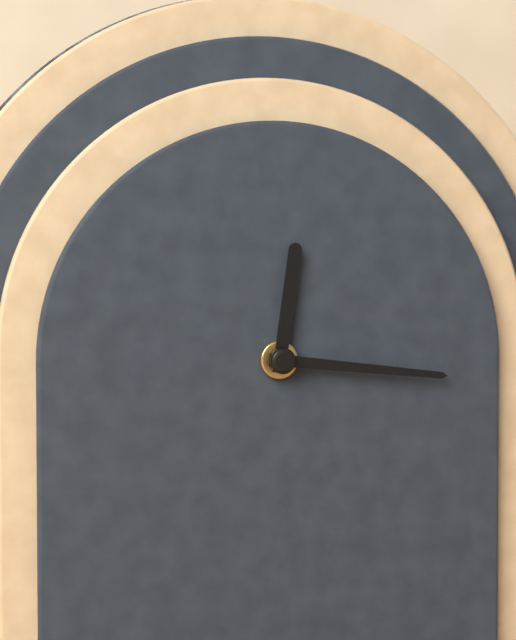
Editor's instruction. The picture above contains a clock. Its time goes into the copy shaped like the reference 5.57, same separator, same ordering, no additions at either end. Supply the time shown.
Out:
12.16
